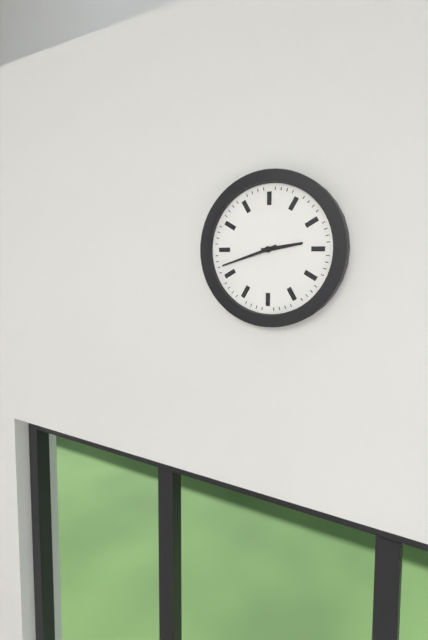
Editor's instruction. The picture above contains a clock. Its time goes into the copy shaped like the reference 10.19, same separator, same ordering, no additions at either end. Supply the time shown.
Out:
2.42
